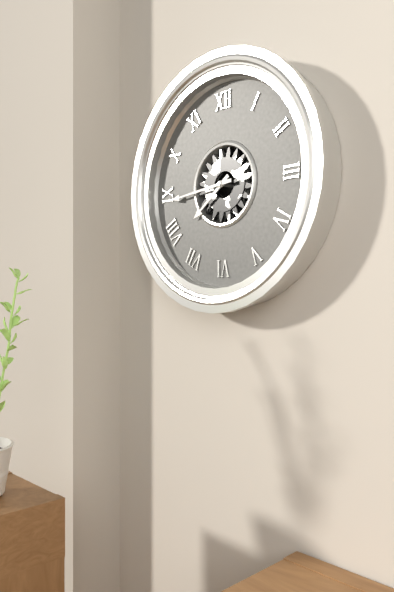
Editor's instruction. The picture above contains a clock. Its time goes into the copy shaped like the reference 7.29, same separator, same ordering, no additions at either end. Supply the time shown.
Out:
7.44
